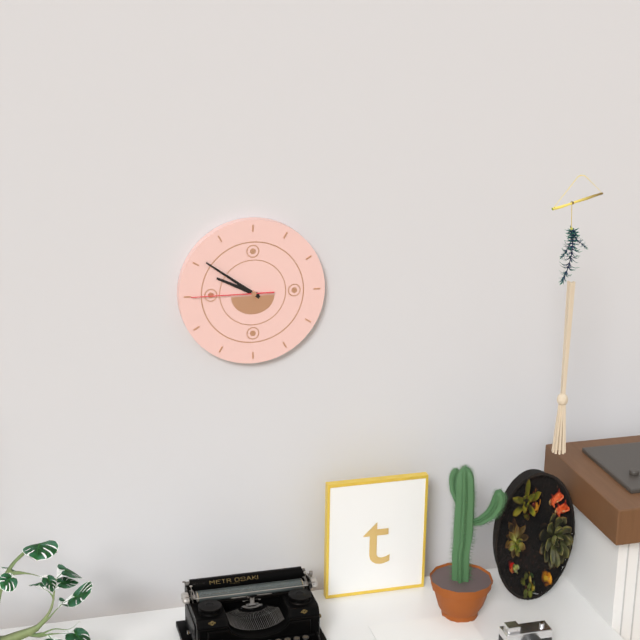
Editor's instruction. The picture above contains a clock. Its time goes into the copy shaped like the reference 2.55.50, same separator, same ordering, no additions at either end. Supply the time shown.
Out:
9.51.45
